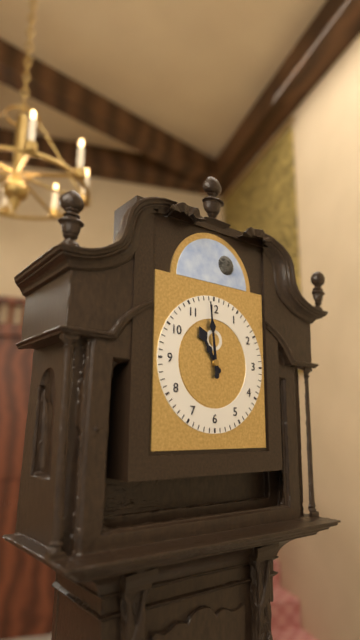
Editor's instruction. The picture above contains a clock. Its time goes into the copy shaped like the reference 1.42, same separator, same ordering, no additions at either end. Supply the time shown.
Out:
10.59
